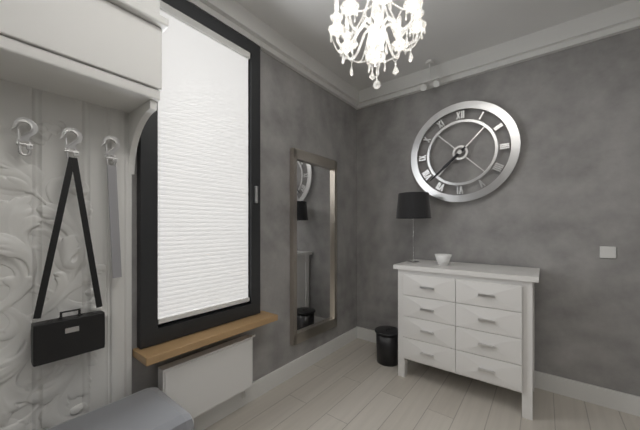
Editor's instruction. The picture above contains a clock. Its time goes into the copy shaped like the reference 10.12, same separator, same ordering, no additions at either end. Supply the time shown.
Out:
7.38
